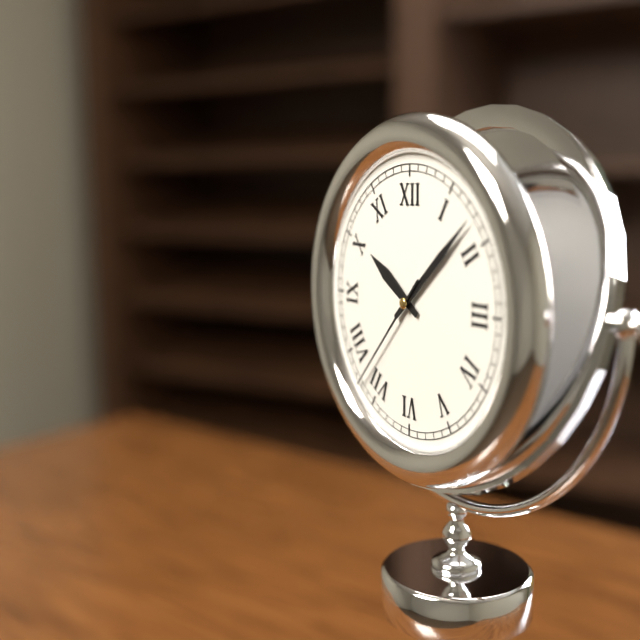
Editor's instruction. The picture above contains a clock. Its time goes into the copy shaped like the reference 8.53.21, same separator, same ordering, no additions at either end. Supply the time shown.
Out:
10.08.37
